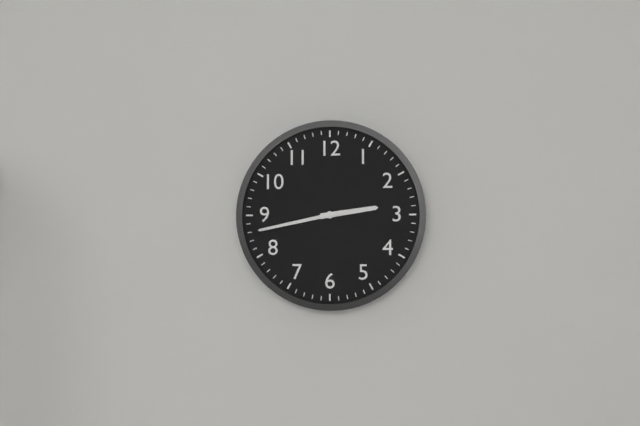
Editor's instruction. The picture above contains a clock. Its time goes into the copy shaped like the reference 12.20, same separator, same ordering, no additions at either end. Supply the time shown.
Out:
2.43
